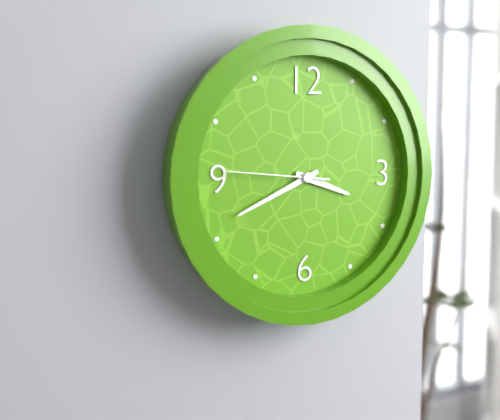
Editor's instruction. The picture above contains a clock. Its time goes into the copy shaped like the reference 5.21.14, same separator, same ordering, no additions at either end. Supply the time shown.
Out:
3.41.46
